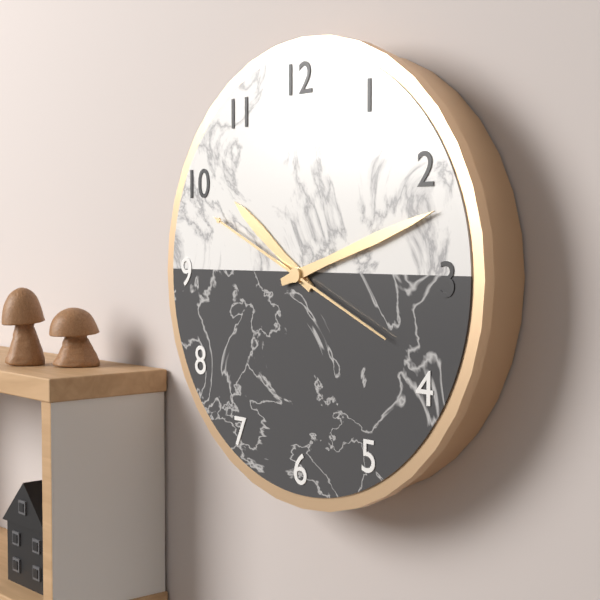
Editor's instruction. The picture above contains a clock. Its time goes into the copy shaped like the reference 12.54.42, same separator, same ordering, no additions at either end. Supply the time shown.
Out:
10.12.49
